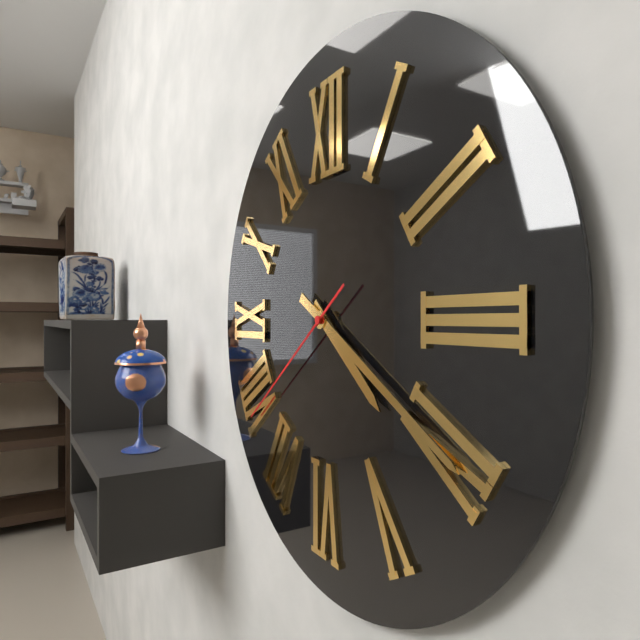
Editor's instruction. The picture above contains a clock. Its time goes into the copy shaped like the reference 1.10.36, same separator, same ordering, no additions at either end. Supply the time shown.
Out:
4.20.39
